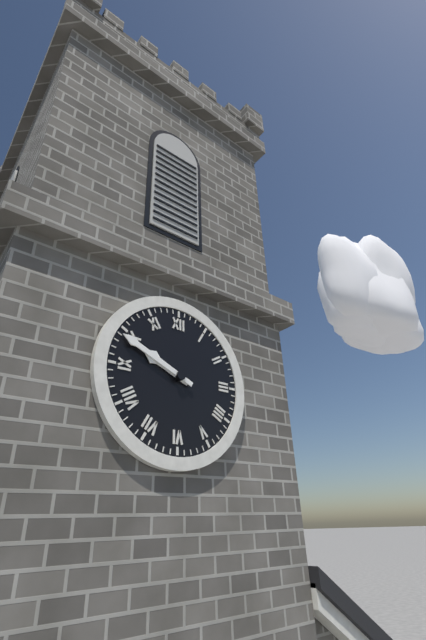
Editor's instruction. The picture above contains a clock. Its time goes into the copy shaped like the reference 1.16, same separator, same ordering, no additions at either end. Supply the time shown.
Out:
9.49
